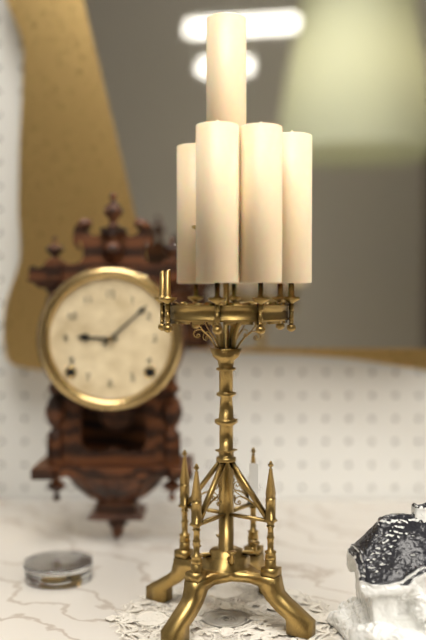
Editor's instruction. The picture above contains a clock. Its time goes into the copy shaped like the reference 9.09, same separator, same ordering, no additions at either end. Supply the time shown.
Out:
9.08
